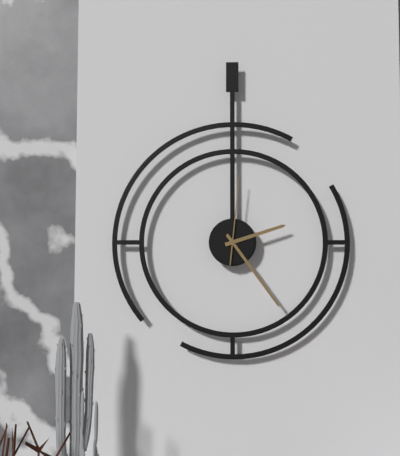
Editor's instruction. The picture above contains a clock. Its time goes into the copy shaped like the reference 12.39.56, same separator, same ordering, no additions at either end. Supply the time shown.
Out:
2.24.01
